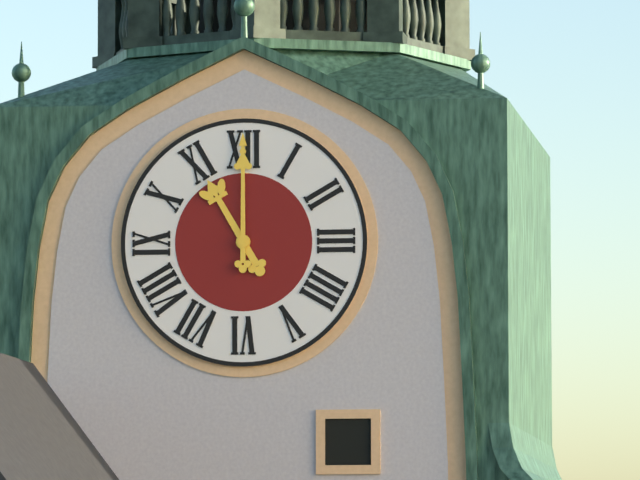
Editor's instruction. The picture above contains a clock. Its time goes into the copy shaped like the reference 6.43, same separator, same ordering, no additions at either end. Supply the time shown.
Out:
11.00
